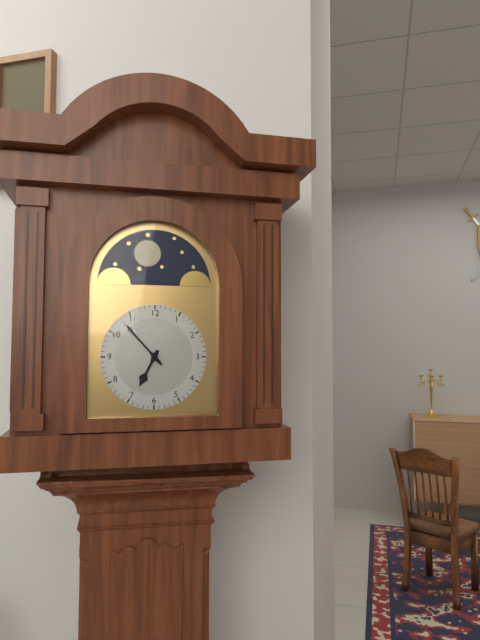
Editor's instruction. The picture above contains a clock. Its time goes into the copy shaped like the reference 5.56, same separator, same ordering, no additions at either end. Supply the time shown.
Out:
6.53
